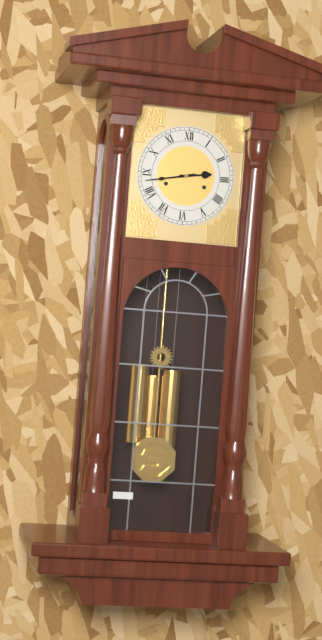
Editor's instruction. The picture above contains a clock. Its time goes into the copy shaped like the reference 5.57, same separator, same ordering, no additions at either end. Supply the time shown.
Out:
2.43
